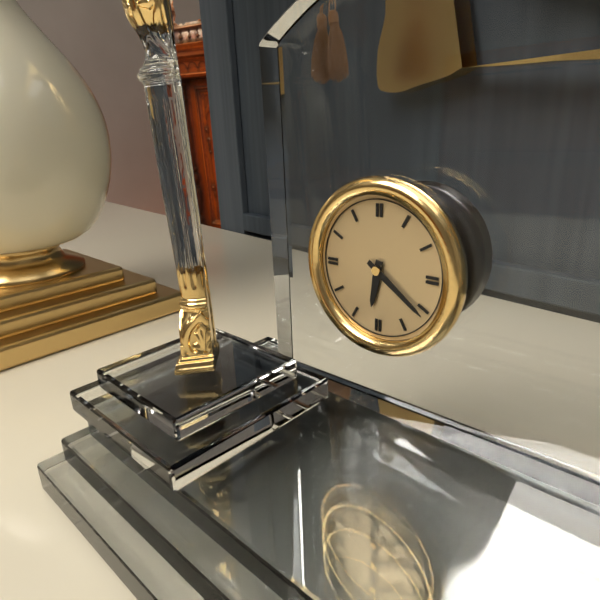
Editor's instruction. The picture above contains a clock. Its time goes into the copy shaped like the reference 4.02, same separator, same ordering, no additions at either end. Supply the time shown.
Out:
6.21
